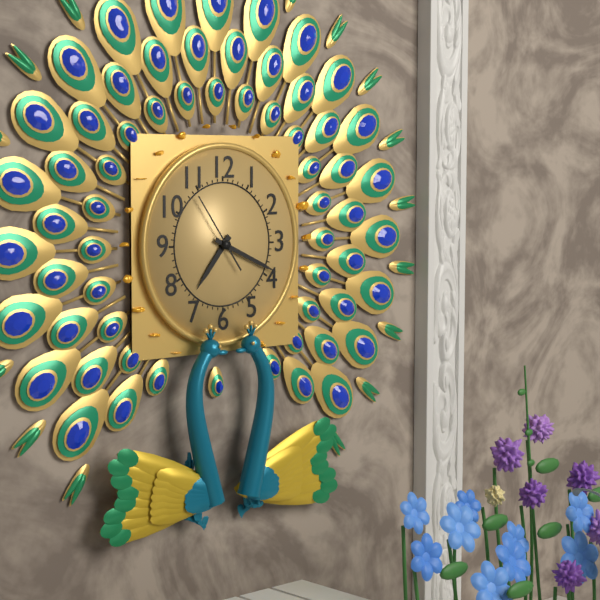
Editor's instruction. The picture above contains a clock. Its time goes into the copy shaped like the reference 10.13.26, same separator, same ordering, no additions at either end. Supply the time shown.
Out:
7.19.54
